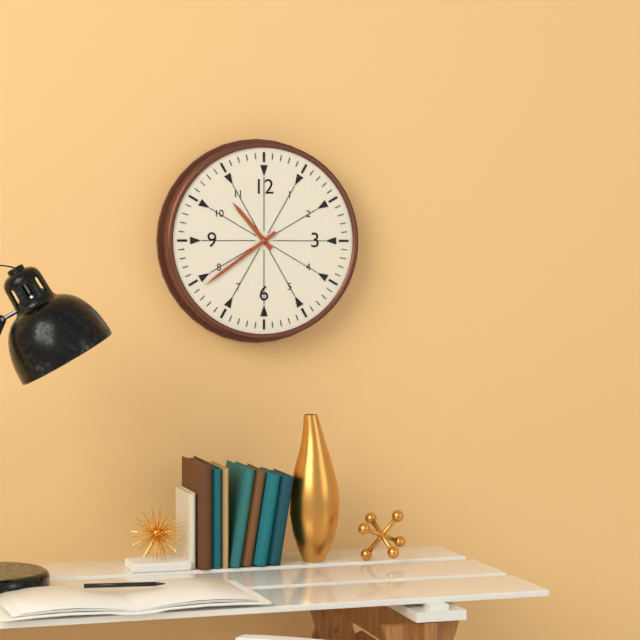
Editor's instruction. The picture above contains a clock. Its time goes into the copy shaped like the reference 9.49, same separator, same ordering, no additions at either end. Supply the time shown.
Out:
10.39
